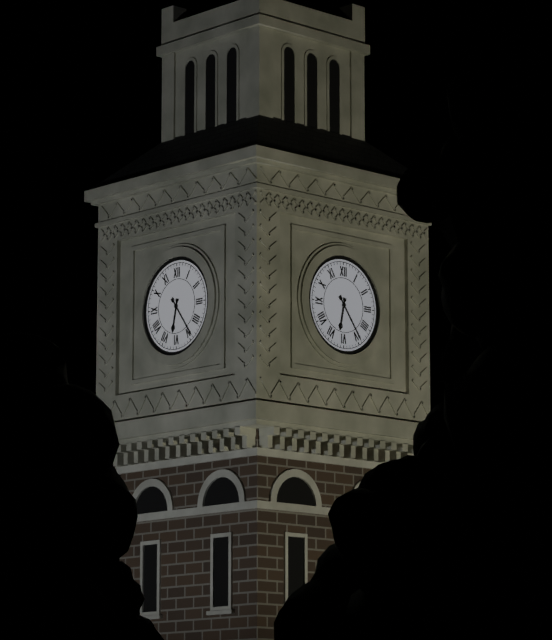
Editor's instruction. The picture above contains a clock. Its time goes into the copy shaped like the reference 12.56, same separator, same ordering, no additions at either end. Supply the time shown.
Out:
6.24
